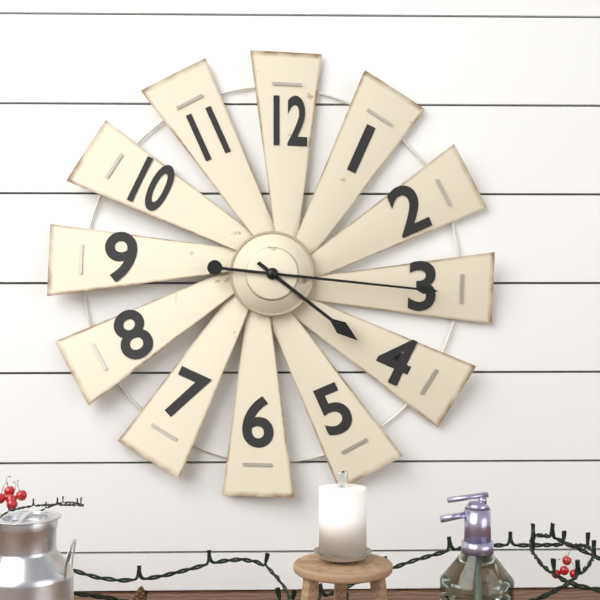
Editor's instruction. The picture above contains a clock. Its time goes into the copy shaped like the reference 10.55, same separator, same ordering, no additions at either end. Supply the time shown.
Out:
4.16
